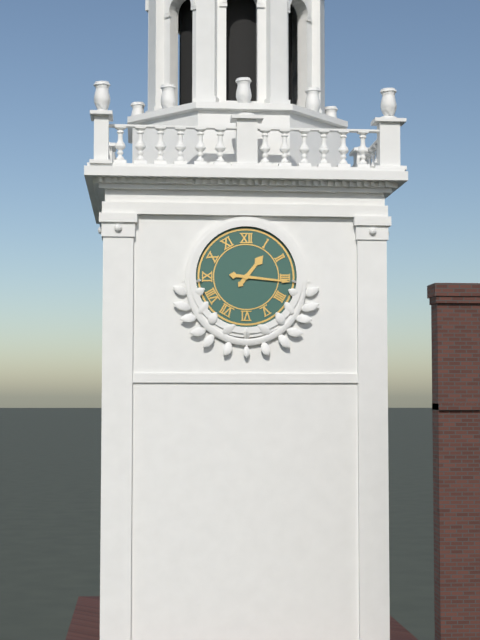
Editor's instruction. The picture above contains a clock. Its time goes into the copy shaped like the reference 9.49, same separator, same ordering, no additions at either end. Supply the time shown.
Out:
1.16
